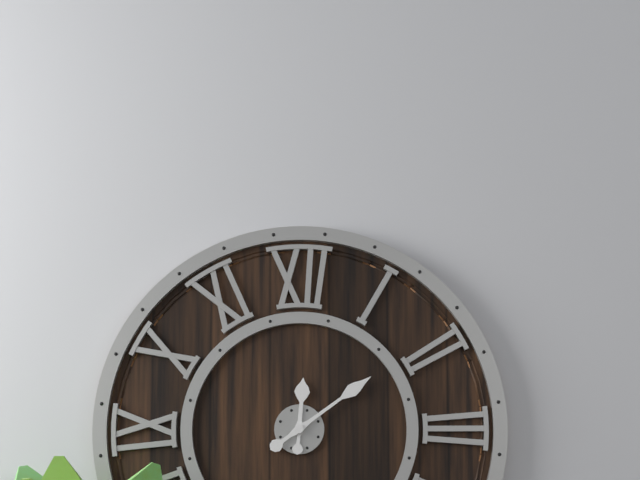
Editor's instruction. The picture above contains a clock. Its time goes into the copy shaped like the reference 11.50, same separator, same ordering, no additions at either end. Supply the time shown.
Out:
12.09
